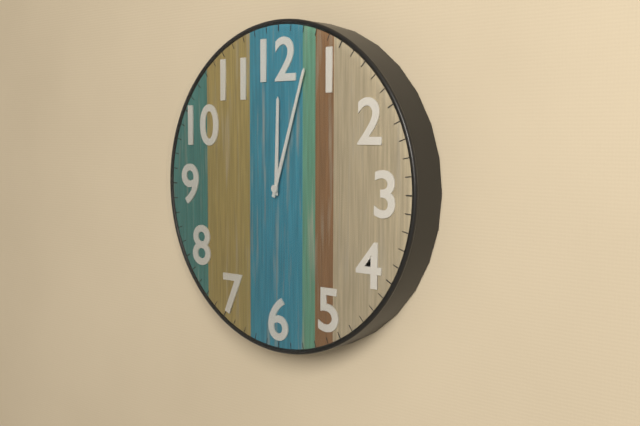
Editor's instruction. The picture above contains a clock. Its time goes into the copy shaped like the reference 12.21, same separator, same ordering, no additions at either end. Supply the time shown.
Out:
12.03
